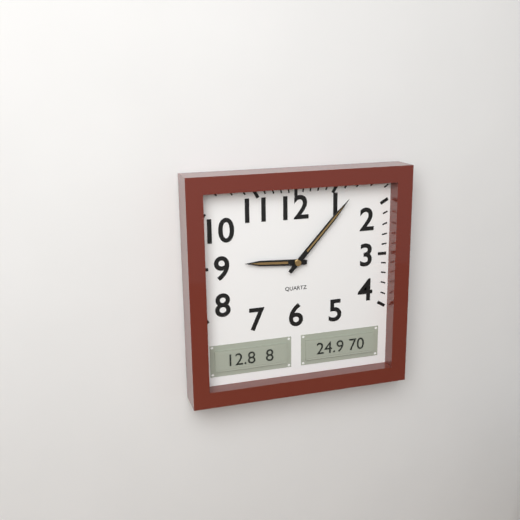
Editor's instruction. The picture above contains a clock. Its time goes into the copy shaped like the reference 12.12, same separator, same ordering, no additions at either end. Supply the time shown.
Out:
9.07
